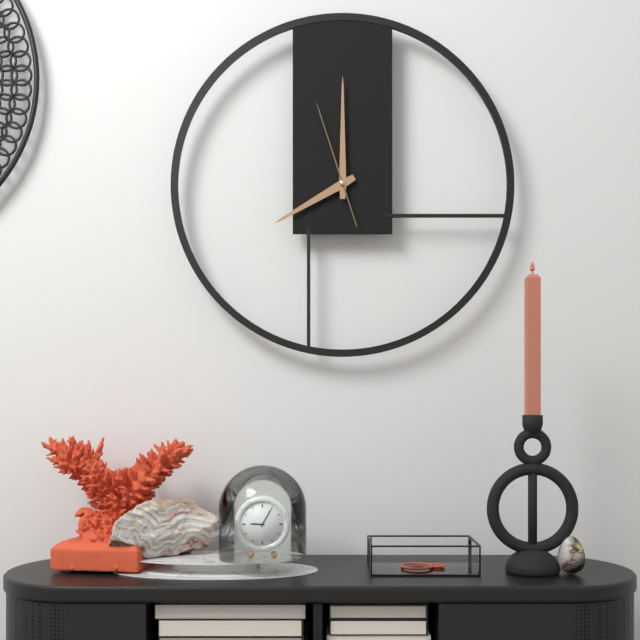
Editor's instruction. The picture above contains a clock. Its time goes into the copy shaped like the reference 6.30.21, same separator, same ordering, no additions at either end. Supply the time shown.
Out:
8.00.57
